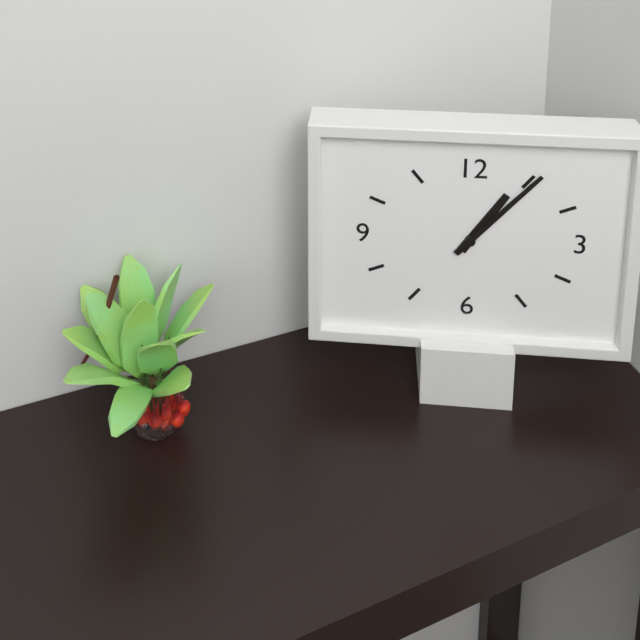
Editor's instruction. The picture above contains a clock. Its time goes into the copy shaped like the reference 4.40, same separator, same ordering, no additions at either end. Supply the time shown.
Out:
1.07
